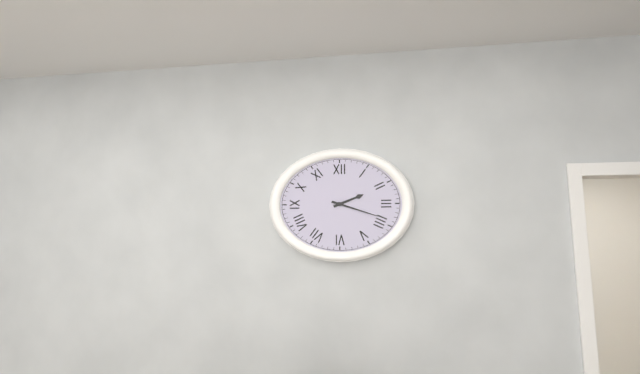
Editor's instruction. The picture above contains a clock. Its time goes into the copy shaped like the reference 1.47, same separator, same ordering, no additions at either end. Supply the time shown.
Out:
2.18
